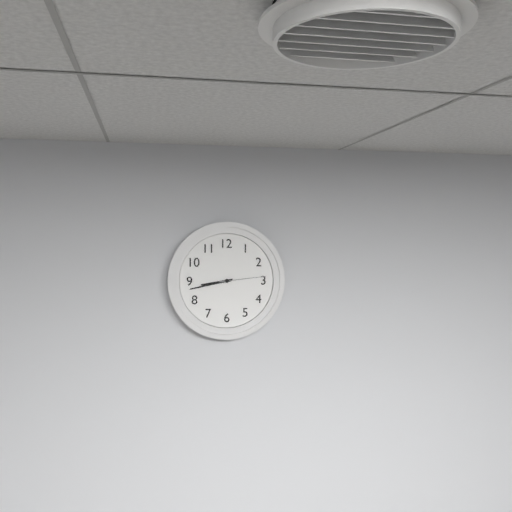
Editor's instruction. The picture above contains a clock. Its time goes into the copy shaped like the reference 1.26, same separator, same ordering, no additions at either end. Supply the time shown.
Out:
8.43
